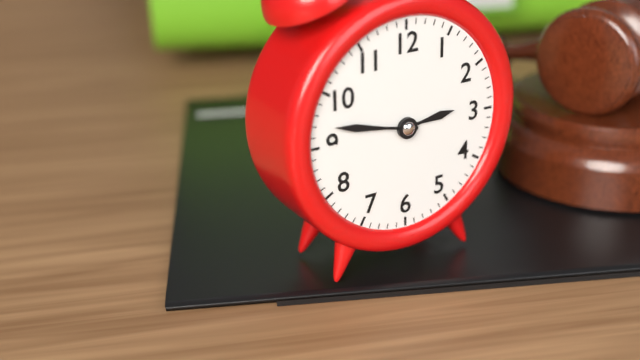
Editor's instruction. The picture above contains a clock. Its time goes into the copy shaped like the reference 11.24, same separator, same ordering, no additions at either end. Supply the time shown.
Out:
2.47
